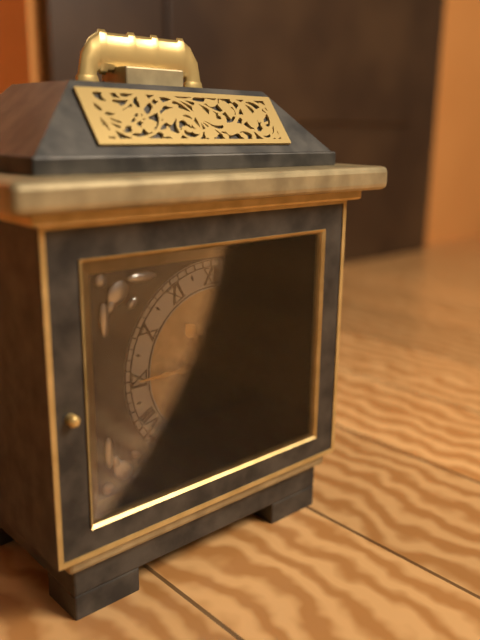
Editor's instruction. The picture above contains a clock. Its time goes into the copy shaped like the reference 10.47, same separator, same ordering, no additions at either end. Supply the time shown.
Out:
10.45
